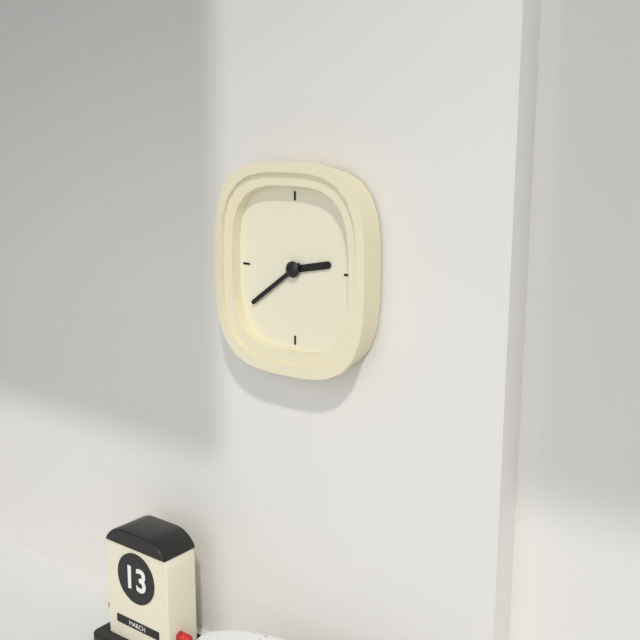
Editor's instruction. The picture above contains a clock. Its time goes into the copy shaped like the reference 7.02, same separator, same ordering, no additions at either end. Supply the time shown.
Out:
2.39
